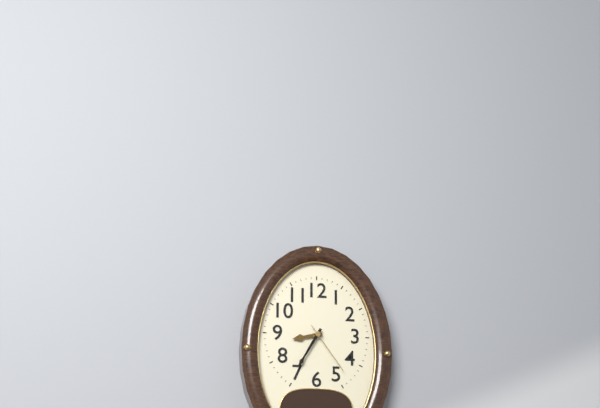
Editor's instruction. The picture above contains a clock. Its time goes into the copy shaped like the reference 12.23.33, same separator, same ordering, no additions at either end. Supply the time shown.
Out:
8.35.24
